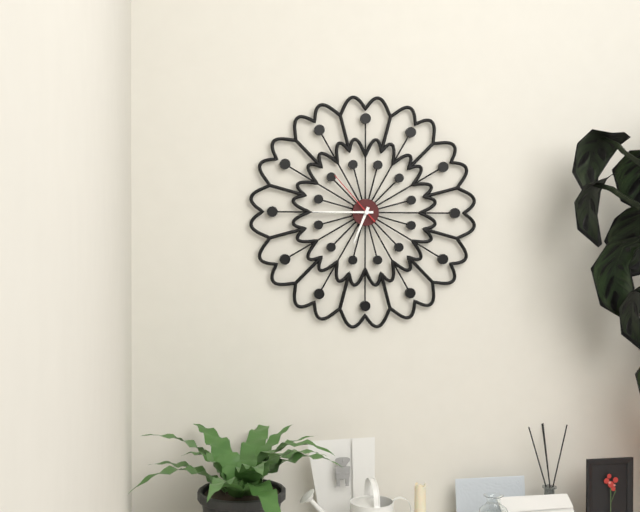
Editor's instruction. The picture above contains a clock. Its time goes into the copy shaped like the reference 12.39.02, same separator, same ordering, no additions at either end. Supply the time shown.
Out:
6.45.53
